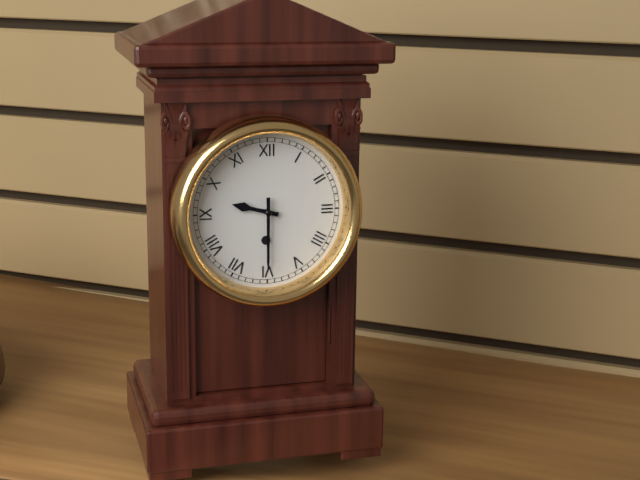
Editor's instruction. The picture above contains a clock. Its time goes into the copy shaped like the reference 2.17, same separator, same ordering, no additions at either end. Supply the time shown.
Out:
9.30
